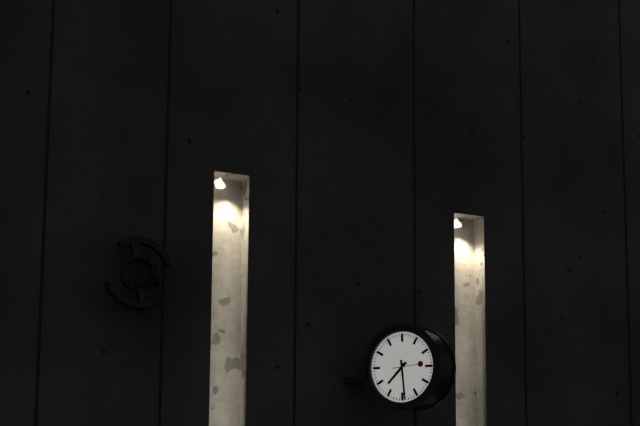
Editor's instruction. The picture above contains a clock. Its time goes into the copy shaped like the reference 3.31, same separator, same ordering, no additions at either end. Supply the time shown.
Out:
7.29
